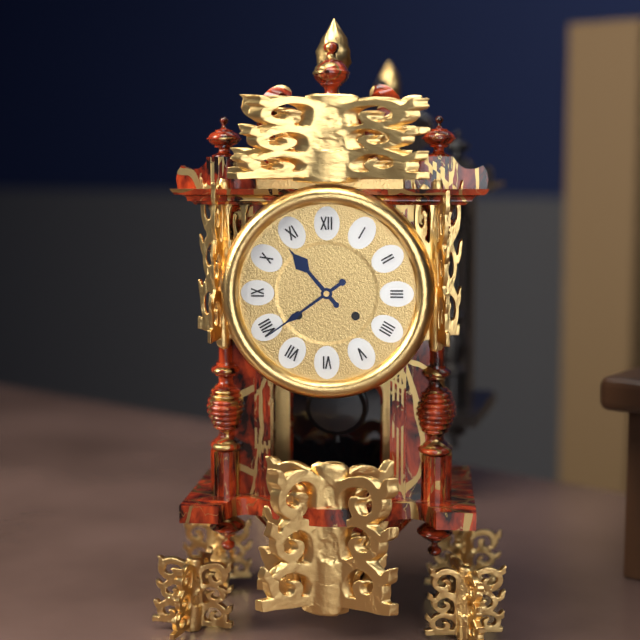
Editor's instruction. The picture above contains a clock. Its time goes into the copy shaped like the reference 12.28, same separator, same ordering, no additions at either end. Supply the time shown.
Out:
10.39
